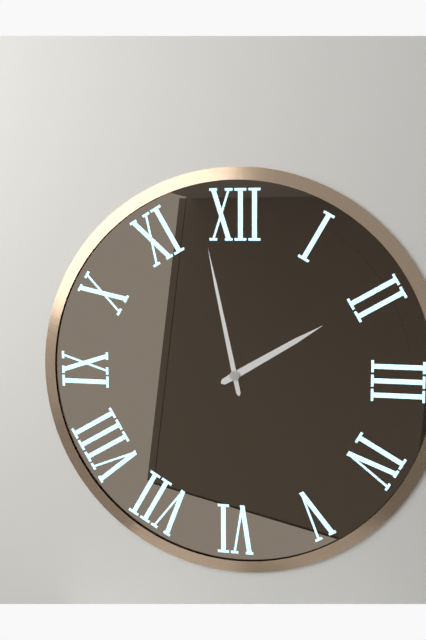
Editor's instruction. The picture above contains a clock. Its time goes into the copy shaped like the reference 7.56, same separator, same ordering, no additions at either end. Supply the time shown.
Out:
1.58
